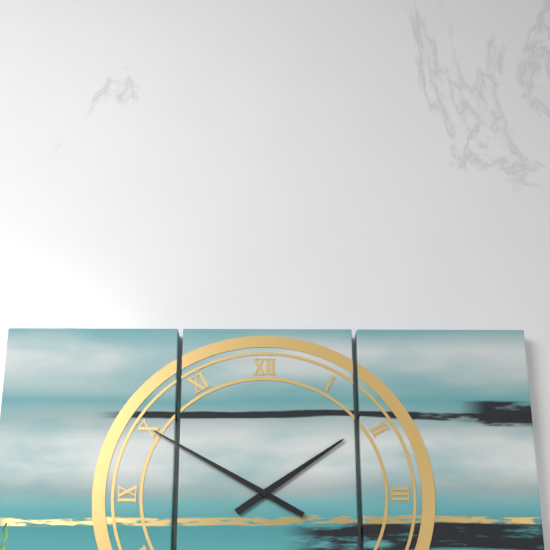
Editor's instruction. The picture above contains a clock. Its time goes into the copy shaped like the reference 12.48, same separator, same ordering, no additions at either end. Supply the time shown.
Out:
1.50
